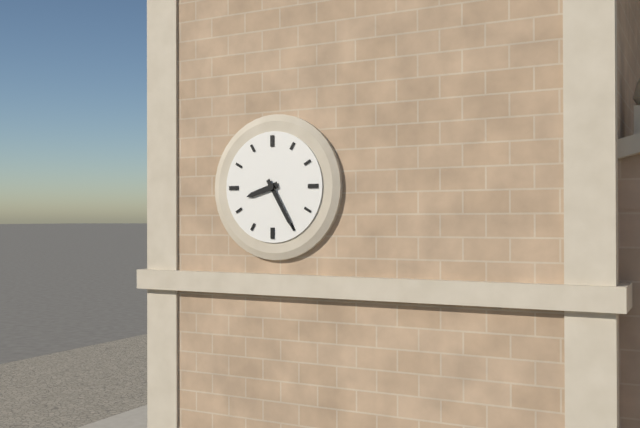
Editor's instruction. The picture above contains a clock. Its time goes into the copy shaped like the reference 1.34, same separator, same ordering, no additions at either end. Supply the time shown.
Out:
8.25
